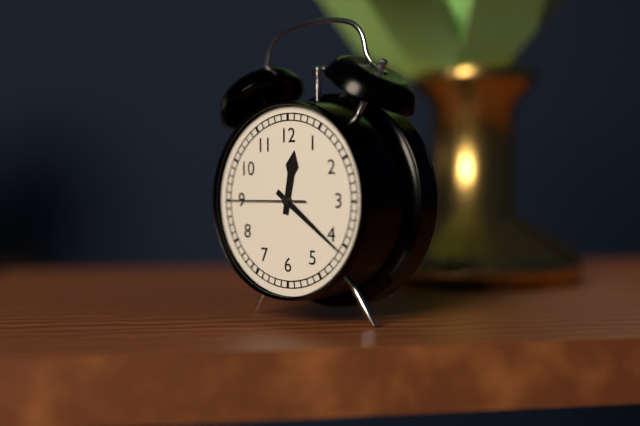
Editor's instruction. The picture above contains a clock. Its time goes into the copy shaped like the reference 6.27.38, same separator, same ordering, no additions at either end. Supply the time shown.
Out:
12.21.45
